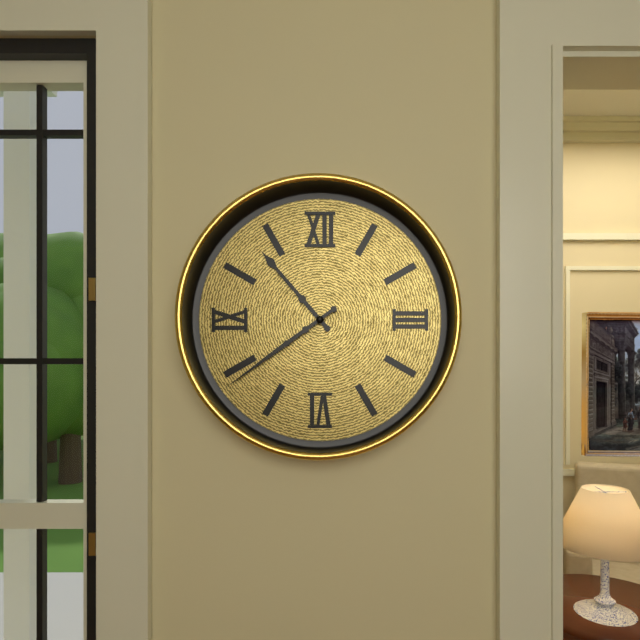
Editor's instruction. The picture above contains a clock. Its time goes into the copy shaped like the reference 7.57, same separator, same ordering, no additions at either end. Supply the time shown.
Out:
10.39
